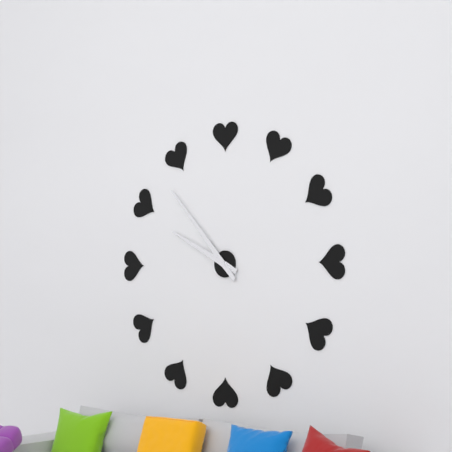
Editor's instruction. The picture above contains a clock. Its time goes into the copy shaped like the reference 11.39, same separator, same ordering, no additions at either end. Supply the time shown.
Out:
9.53
